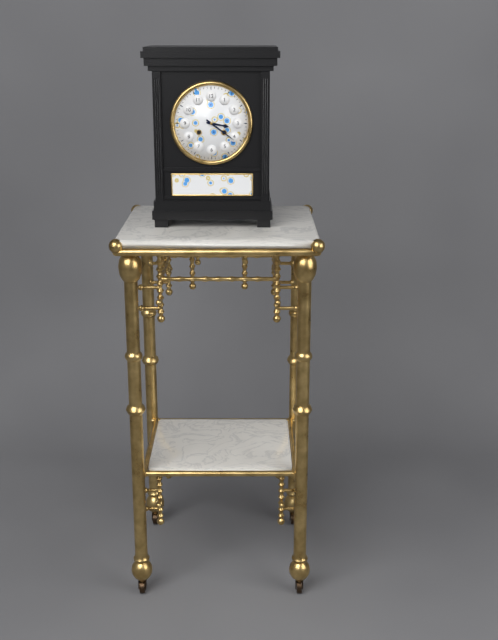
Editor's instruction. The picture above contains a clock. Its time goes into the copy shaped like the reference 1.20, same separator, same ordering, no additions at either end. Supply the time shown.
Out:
3.21
